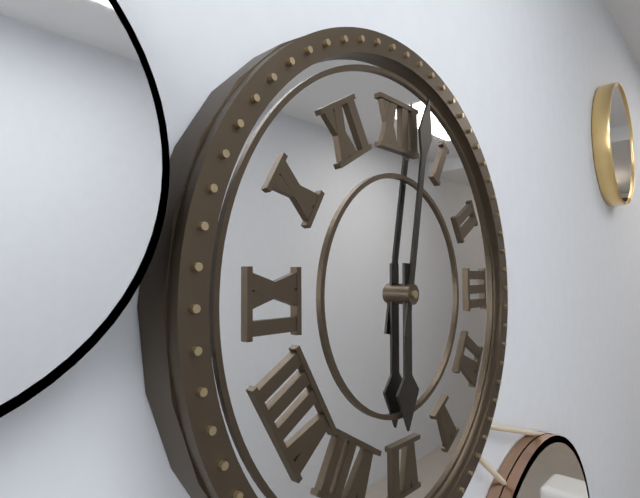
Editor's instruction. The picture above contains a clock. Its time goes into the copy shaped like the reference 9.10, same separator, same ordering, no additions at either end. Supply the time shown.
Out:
6.02
